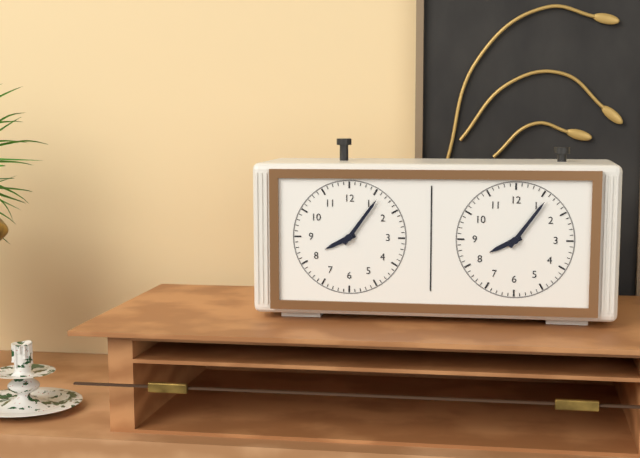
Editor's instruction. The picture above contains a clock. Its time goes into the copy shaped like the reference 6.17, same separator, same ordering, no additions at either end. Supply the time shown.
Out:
8.06
